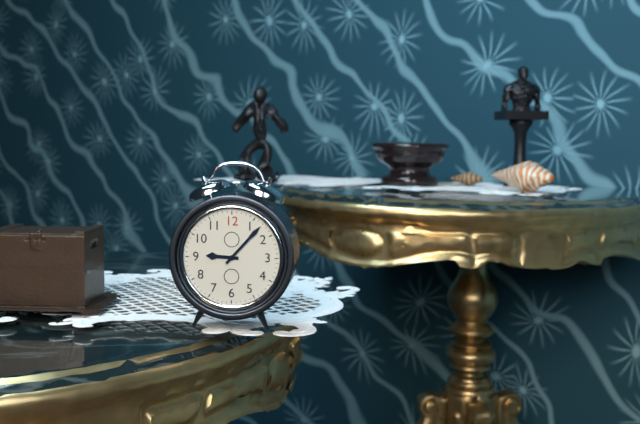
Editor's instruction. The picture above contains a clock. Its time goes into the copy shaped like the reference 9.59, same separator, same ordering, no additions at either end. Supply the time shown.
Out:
9.07
